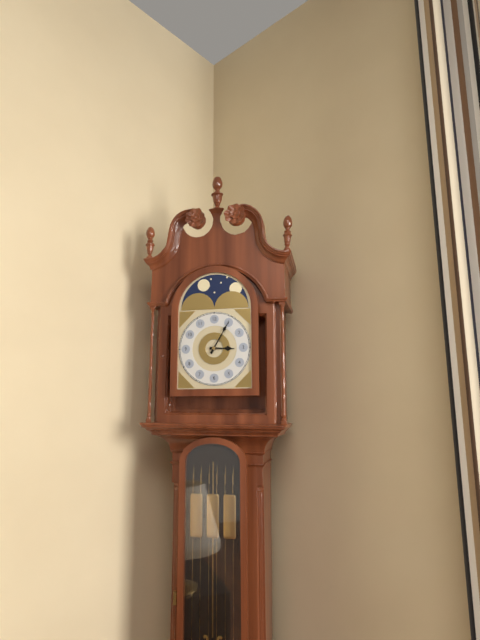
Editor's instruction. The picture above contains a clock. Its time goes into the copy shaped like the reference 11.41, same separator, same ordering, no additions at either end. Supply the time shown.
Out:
3.05
